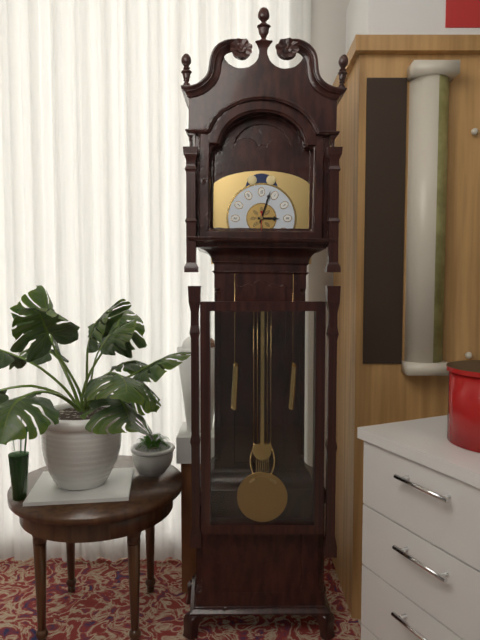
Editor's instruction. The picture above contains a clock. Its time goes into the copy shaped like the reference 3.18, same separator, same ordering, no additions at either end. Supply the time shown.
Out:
3.03
